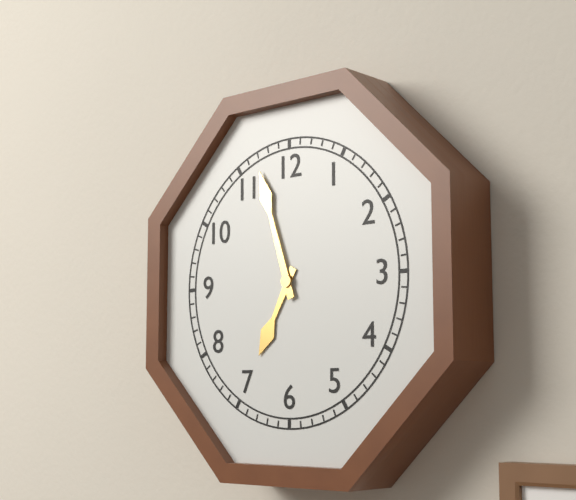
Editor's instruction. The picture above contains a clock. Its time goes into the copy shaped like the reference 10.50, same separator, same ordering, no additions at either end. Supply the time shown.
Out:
6.57
